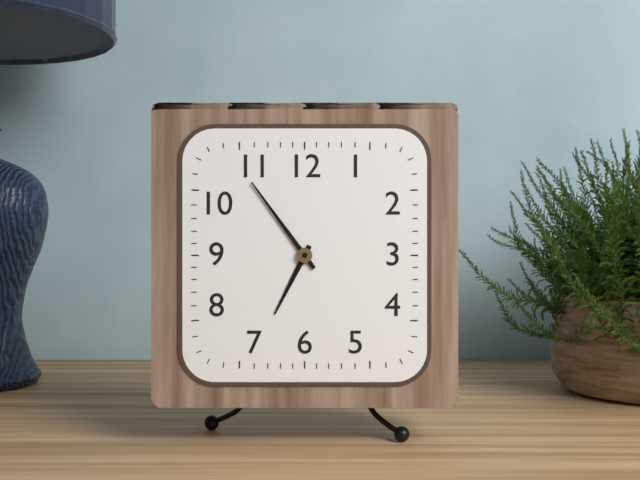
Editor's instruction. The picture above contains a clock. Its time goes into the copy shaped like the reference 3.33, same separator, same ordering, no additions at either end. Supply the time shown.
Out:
6.54
